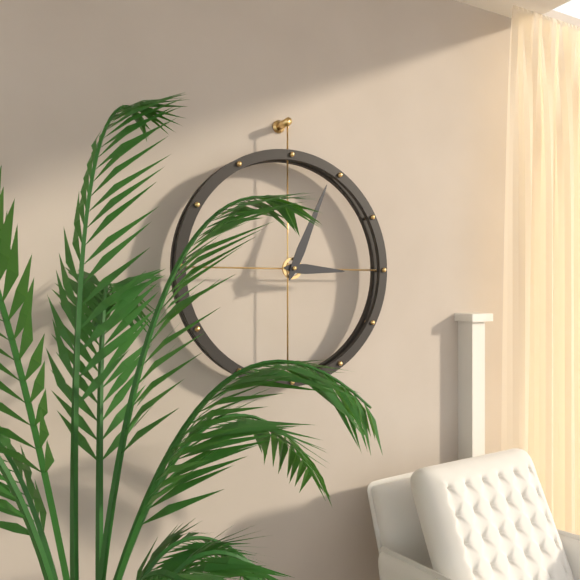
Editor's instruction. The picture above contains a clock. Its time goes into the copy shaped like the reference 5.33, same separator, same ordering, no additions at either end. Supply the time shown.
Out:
3.04
